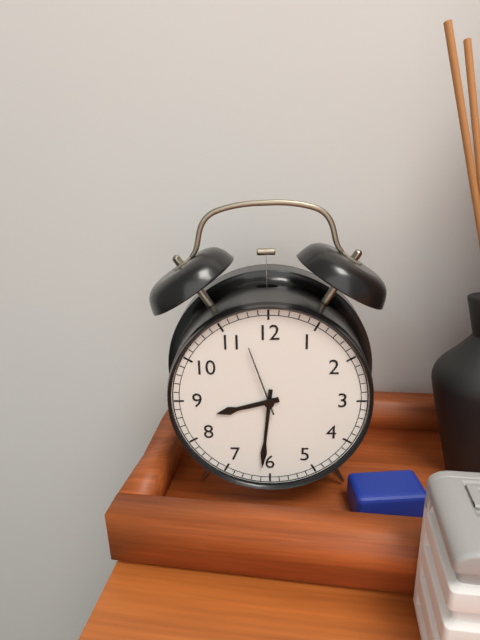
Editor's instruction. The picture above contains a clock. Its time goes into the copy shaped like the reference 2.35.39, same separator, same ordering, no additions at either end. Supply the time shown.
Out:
8.31.57
